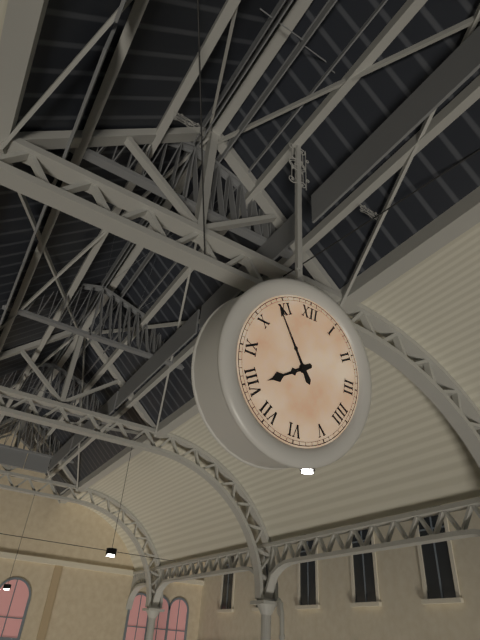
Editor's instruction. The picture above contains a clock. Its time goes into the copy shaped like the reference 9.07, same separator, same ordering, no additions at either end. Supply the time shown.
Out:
7.54
